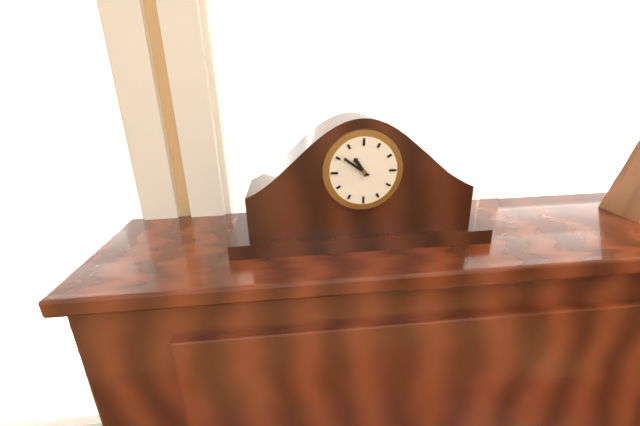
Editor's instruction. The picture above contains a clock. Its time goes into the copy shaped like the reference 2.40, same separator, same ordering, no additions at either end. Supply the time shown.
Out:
10.51
